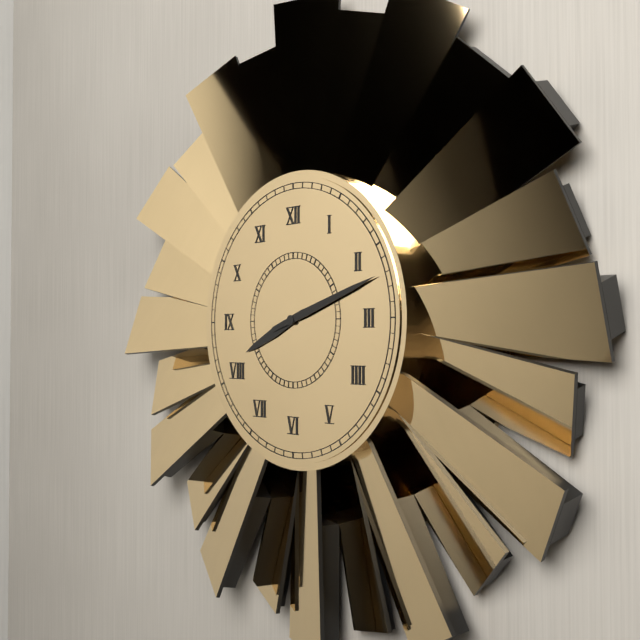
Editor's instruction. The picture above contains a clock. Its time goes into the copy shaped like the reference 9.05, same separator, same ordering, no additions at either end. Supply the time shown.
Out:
8.12
